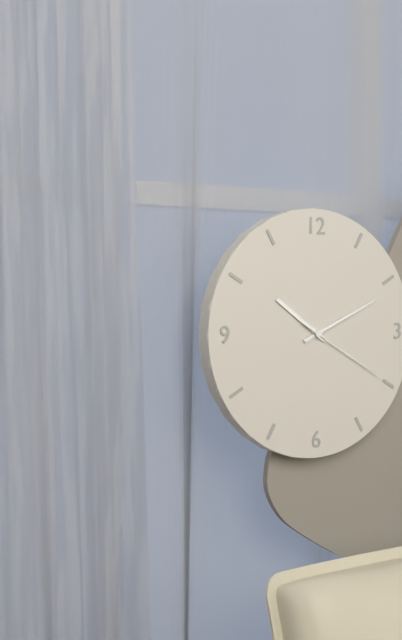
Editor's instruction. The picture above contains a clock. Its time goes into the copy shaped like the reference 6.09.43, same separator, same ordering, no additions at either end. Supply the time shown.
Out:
10.11.20
